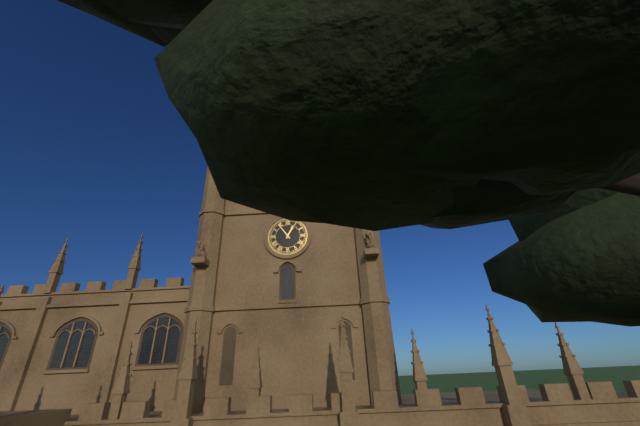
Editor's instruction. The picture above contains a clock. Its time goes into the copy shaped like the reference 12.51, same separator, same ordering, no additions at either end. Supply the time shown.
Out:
12.54
